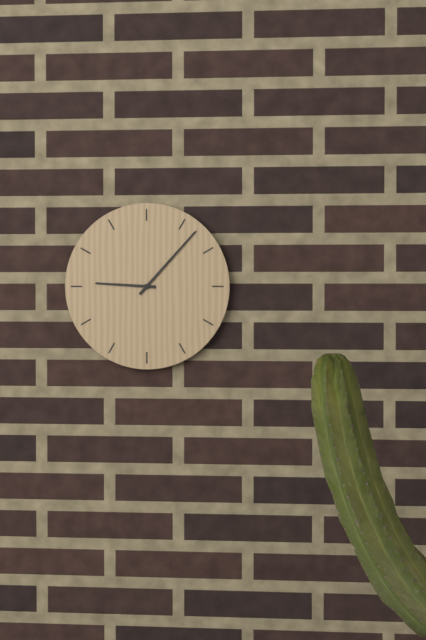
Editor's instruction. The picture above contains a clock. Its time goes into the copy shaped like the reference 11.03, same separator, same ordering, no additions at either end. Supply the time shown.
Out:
9.07
